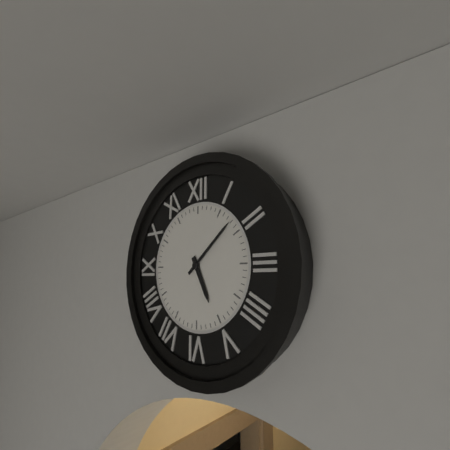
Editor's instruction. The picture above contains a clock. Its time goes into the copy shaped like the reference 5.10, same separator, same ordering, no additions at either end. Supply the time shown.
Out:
5.08
